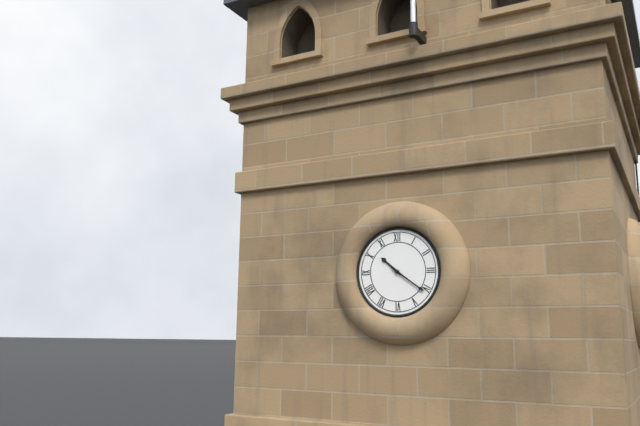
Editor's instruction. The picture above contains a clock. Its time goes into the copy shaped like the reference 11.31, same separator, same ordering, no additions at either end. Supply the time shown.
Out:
10.21
